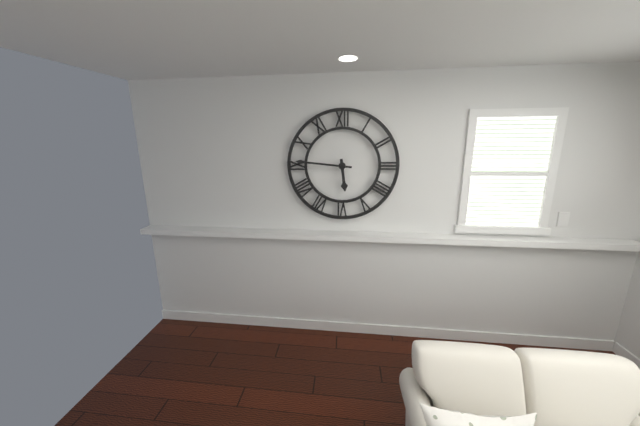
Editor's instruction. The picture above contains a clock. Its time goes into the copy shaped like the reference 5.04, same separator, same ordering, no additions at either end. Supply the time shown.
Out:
5.46
